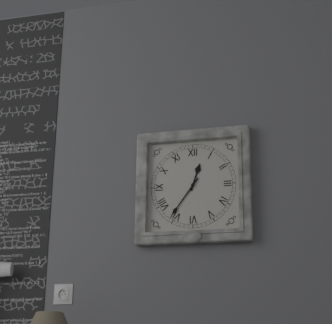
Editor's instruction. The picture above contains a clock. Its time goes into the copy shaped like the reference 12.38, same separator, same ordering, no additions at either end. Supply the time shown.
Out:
12.36
